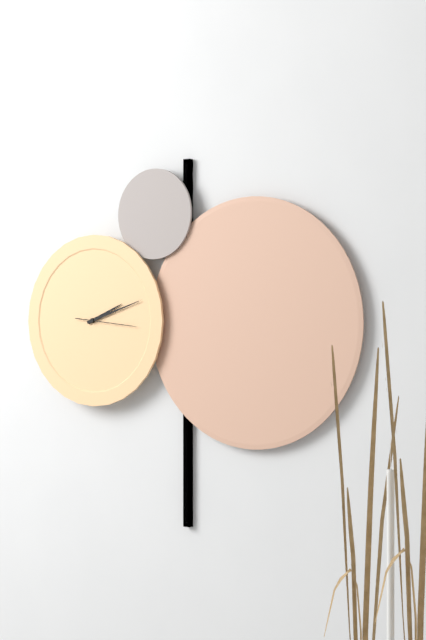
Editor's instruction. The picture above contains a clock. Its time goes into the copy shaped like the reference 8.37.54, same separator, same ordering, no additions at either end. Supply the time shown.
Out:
2.12.16
